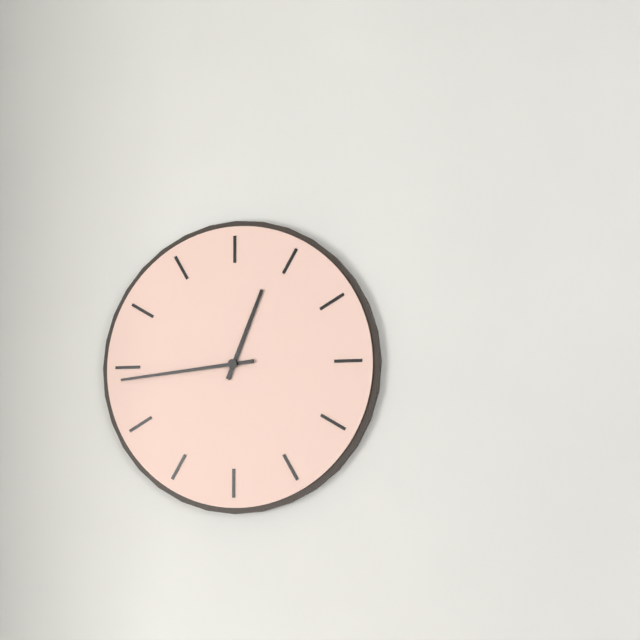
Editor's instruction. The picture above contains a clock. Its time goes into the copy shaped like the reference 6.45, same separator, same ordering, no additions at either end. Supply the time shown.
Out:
12.44
